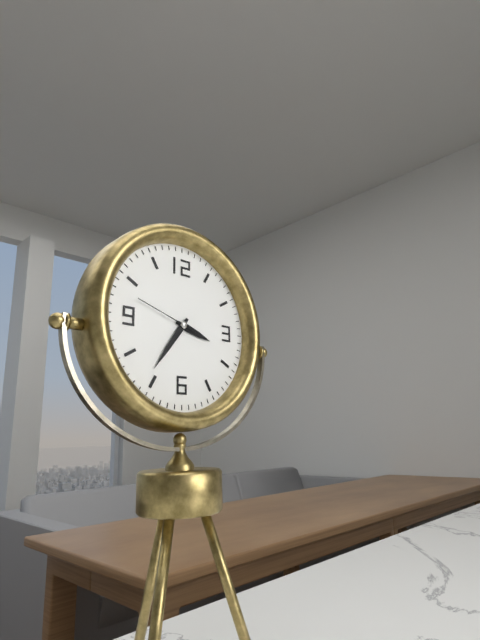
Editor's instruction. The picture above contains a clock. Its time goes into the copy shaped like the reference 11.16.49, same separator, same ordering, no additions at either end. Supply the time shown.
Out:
3.36.48
